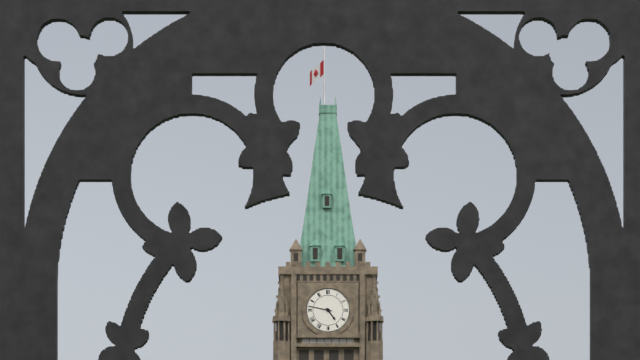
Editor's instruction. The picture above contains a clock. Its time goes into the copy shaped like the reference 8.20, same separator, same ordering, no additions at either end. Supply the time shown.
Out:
4.47
